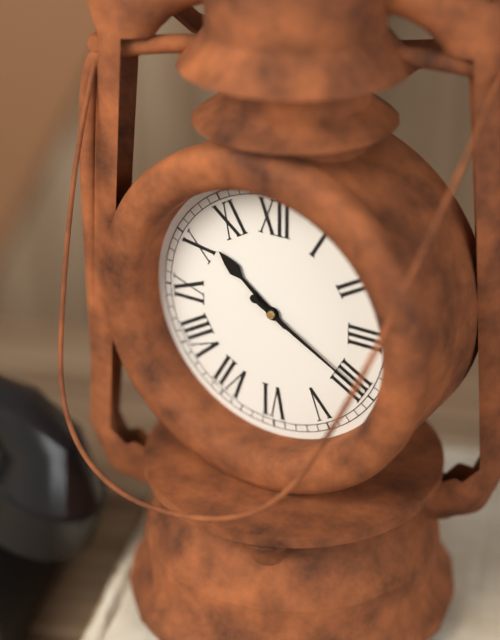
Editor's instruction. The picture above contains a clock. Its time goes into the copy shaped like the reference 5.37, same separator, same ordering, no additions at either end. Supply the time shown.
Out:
10.20
